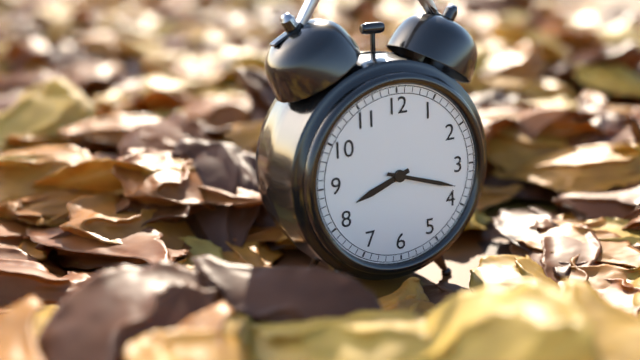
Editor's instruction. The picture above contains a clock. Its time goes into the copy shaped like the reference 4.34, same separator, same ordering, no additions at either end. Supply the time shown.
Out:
8.18
